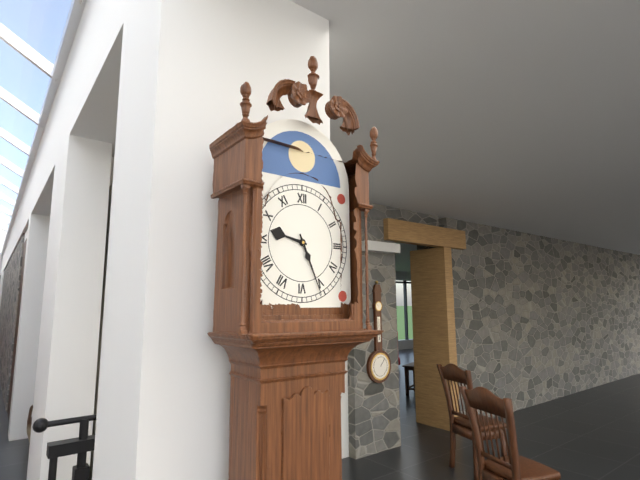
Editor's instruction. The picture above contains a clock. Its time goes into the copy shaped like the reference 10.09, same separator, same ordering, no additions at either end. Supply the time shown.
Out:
9.26
